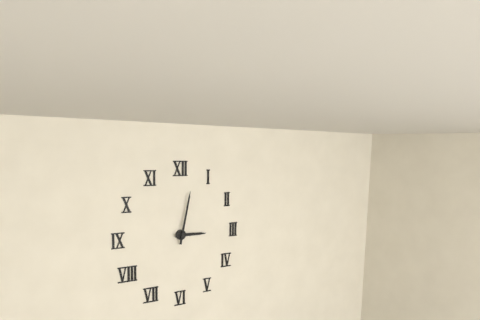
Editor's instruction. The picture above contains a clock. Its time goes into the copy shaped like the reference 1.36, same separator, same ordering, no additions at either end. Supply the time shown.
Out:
3.02
